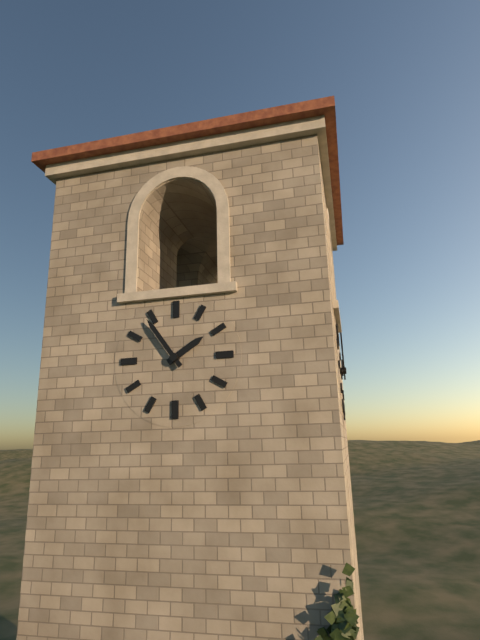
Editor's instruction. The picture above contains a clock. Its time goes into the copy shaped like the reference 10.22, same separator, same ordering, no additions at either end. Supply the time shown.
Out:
1.54
